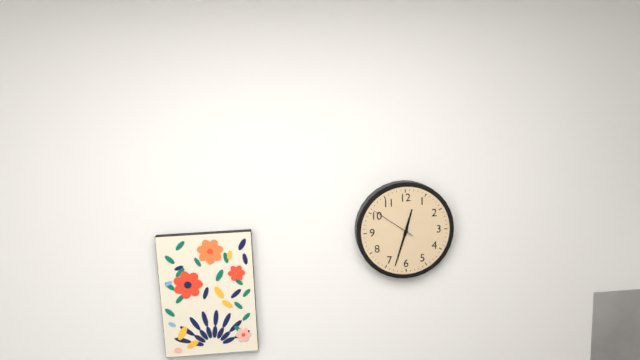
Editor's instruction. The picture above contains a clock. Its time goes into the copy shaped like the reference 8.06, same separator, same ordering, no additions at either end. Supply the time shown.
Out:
12.33
